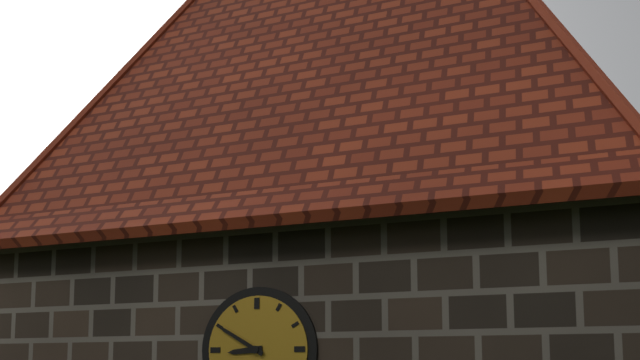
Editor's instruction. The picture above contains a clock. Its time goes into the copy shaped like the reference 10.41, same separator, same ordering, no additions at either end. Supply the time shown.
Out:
8.50
